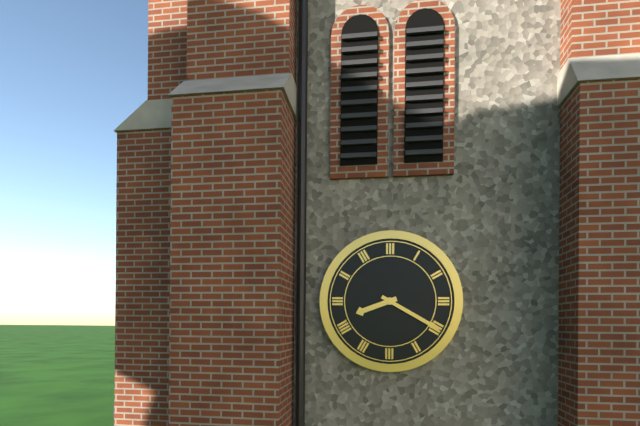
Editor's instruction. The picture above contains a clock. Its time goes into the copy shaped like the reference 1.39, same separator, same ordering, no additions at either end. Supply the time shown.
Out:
8.20
